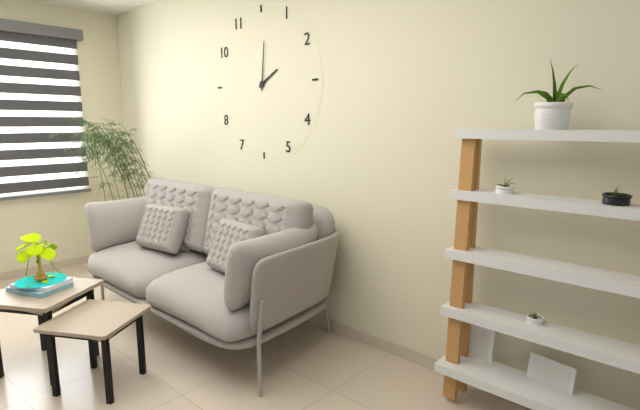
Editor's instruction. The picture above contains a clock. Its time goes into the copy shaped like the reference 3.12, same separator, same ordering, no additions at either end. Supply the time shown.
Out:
2.01
